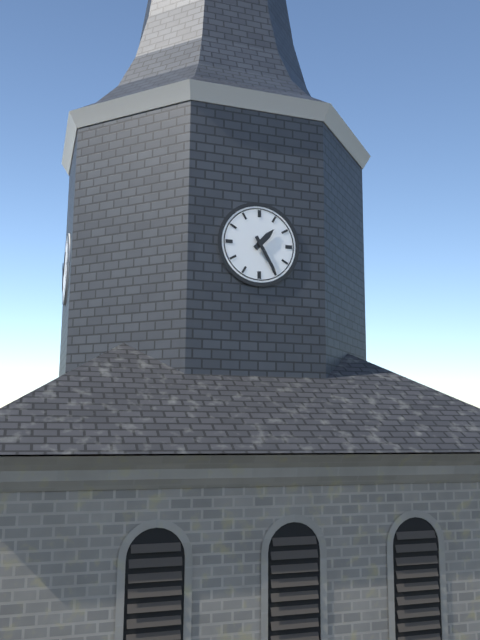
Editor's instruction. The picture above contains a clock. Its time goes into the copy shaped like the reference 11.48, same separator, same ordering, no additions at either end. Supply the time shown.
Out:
1.25
